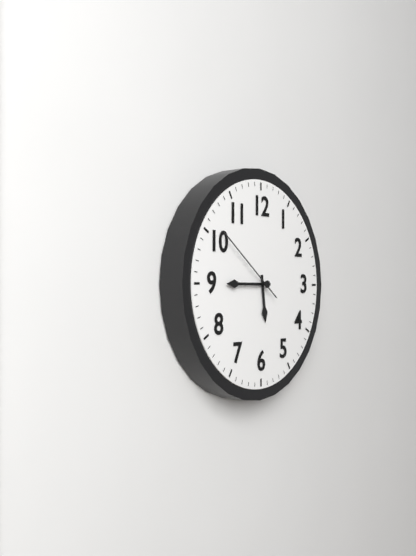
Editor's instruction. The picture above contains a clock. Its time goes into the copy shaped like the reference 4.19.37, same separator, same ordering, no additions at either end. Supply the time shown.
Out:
5.45.51
